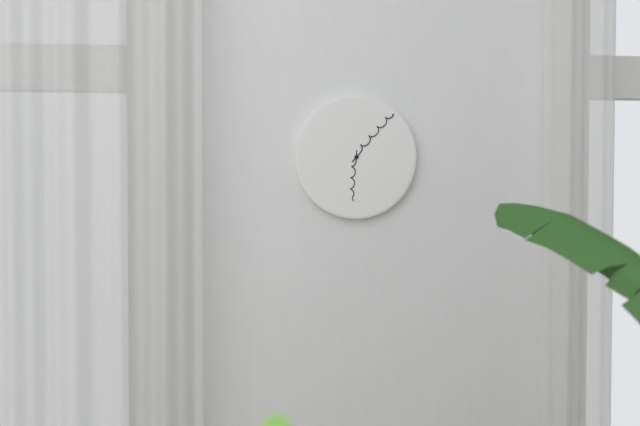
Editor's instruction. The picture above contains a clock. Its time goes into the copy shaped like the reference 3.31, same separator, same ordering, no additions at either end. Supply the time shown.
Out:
6.07
